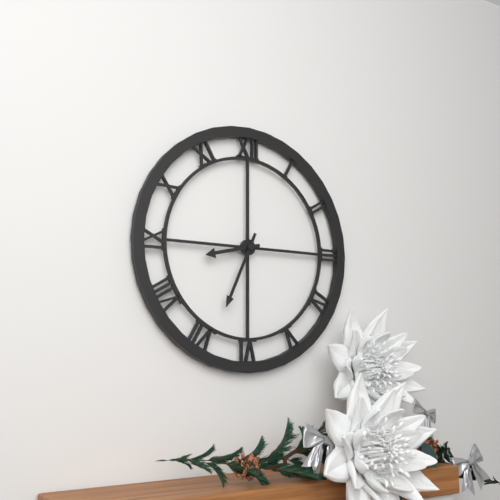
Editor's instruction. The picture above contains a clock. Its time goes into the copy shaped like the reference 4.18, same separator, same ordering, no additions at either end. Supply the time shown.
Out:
8.34
